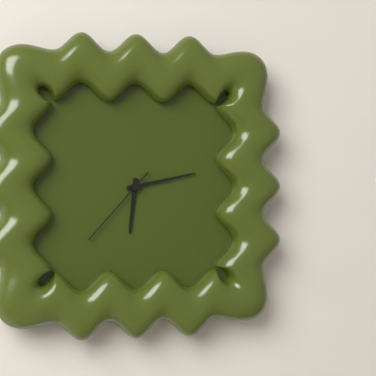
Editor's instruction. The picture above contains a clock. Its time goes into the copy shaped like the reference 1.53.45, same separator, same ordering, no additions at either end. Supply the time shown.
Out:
6.13.37
